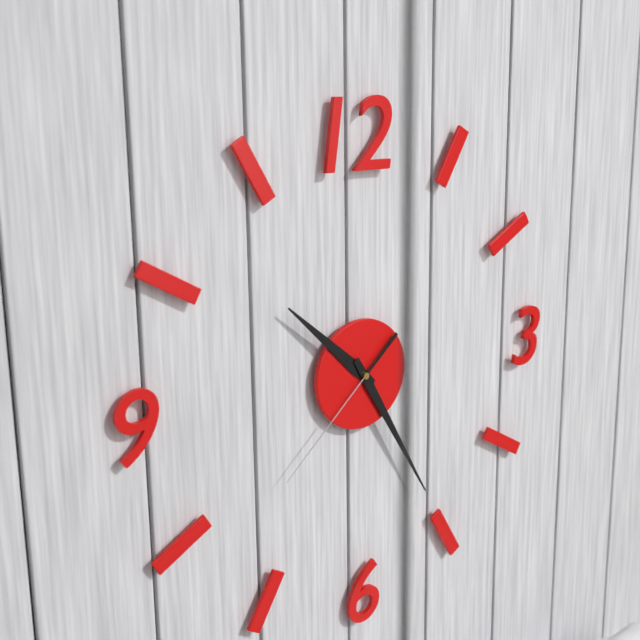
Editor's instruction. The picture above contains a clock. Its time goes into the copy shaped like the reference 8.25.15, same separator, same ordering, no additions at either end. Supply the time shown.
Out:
10.25.38
